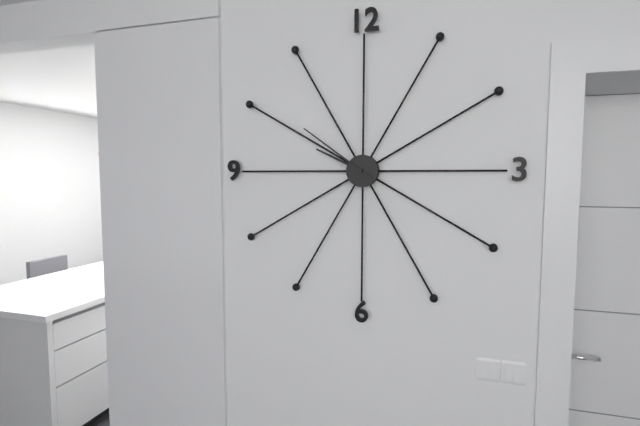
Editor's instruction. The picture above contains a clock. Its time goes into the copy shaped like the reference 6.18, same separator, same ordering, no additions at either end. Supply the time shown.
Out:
9.51
